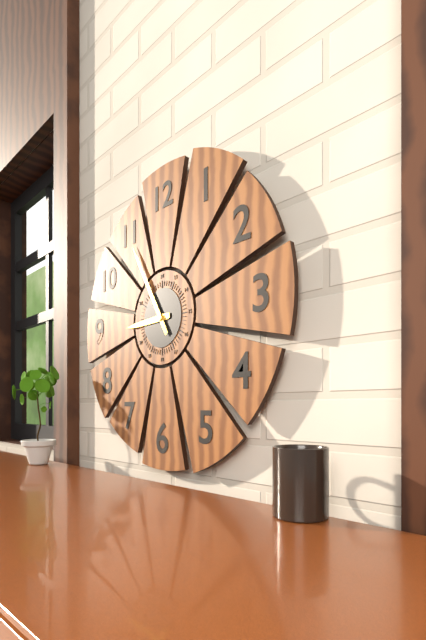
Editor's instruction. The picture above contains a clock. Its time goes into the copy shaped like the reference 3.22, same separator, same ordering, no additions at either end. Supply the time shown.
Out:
8.55
